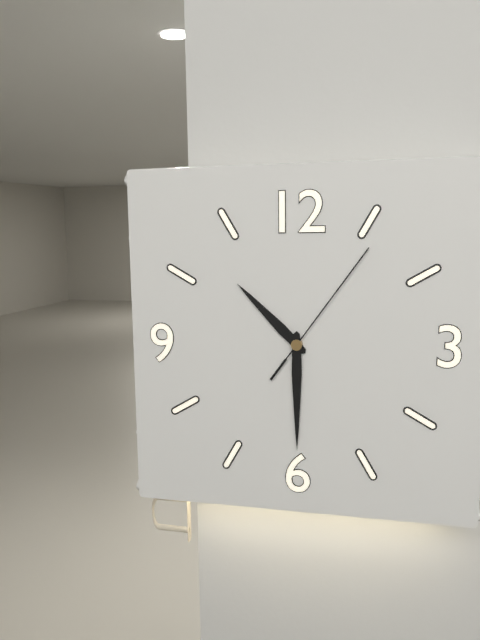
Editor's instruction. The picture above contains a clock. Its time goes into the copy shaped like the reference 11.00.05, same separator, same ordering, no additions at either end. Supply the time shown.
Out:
10.30.06
